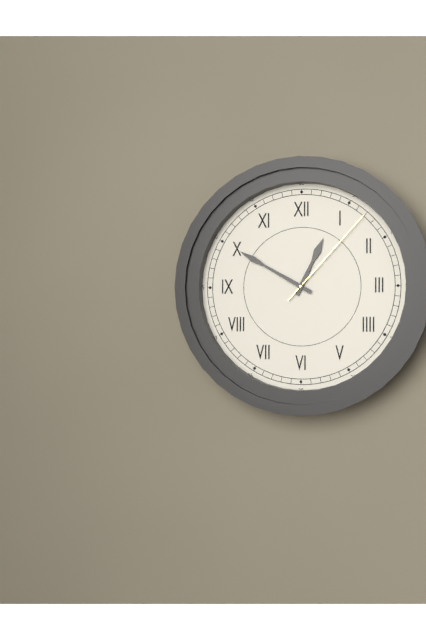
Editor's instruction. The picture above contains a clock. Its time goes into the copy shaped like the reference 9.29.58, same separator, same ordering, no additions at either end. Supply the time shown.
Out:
12.50.07
